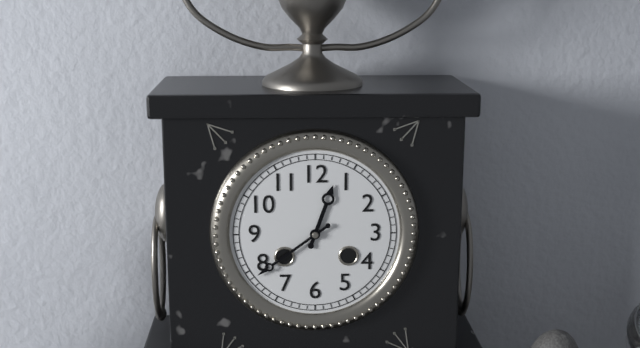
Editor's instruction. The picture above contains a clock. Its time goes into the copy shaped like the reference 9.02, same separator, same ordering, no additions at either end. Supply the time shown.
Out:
12.39
